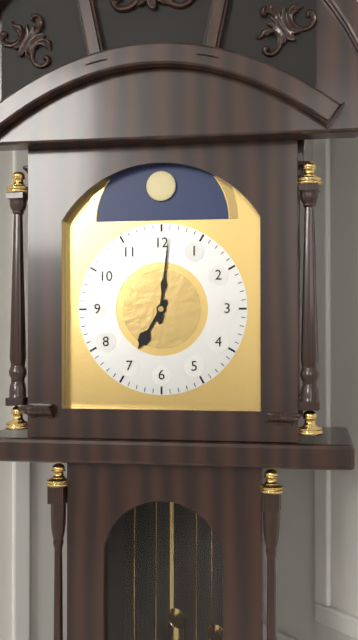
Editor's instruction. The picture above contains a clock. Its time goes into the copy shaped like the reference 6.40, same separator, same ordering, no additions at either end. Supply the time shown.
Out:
7.01
